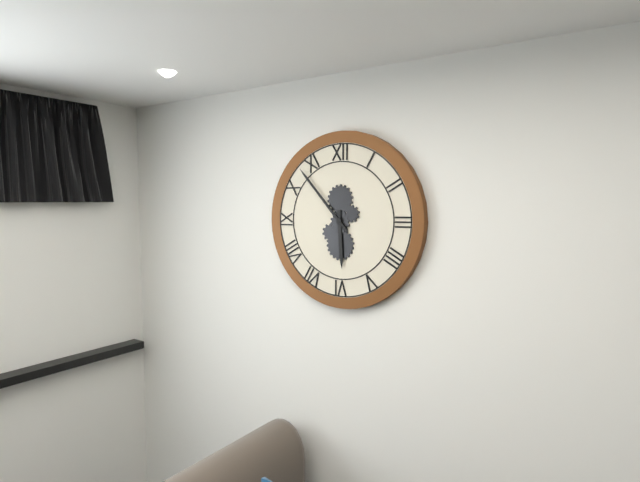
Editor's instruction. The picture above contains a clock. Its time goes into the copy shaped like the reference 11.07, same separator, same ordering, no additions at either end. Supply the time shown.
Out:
5.53
